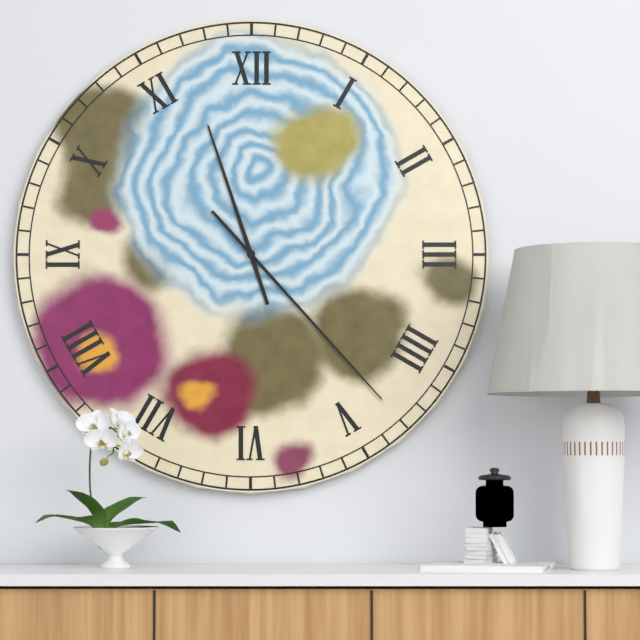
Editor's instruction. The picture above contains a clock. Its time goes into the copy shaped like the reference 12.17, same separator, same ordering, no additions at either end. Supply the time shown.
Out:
11.23
